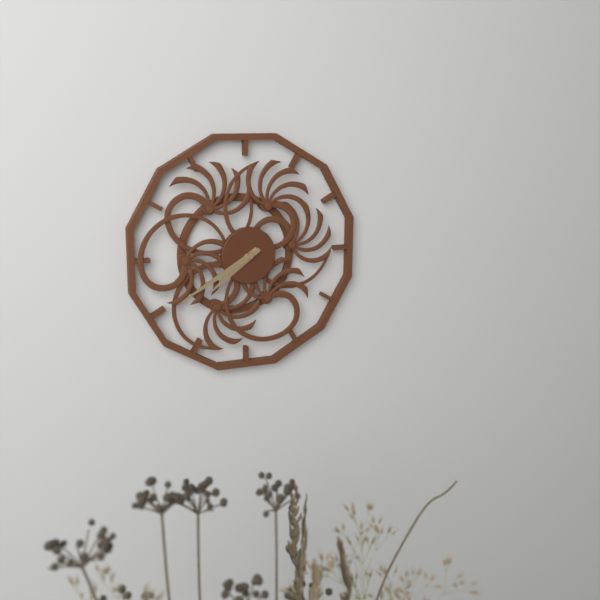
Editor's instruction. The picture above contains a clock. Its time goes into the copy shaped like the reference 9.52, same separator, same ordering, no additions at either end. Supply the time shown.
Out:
7.40
